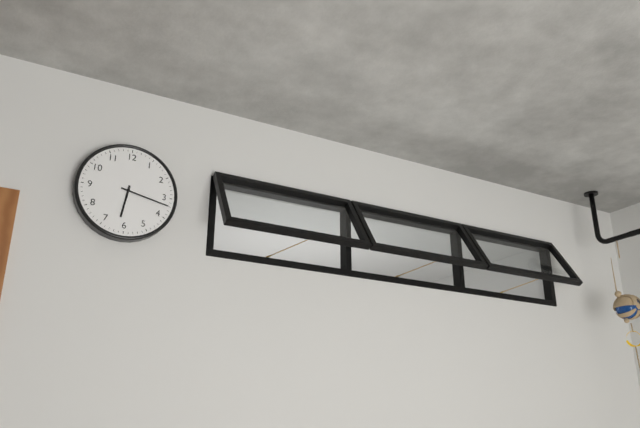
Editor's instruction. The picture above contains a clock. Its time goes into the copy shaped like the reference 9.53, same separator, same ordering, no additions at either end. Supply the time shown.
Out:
6.17
